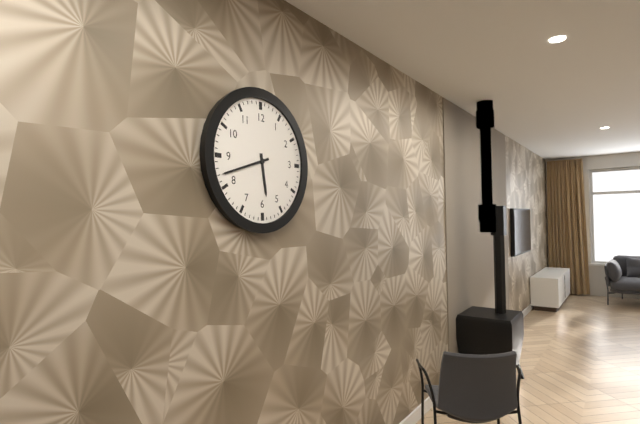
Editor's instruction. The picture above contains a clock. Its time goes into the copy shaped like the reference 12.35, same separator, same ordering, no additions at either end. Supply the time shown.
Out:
5.42
